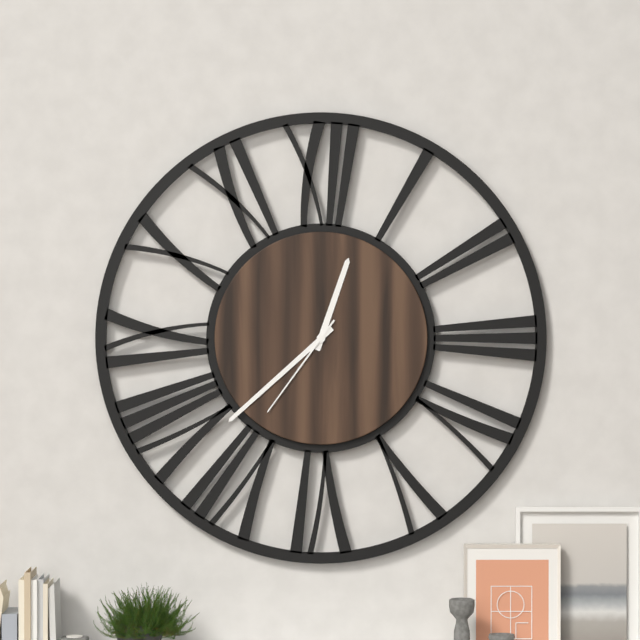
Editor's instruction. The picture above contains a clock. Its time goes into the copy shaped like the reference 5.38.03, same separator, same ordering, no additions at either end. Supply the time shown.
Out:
12.38.36
